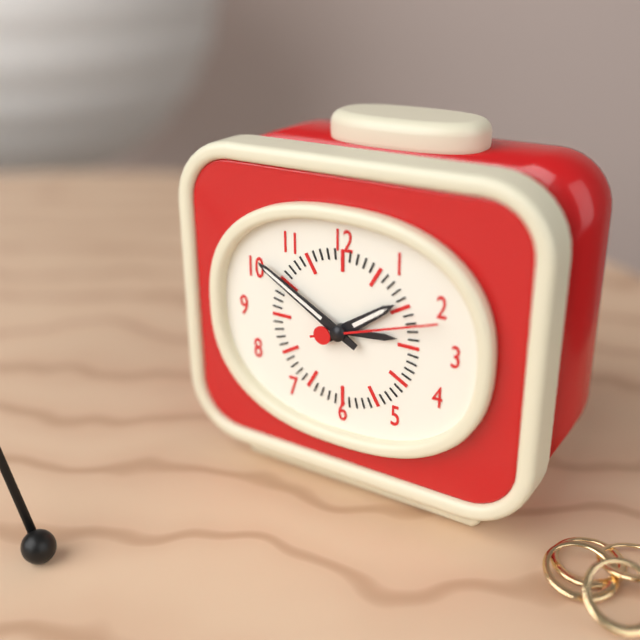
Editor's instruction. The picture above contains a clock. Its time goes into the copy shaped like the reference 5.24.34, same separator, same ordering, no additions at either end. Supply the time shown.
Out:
1.50.12
